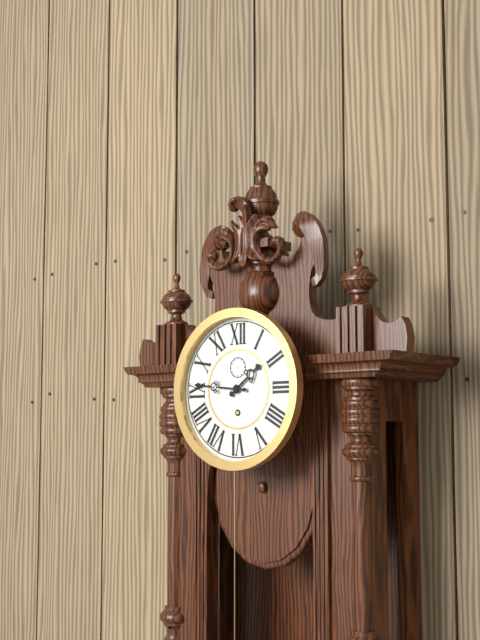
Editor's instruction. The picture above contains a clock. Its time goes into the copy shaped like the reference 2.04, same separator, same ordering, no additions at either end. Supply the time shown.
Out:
1.46
